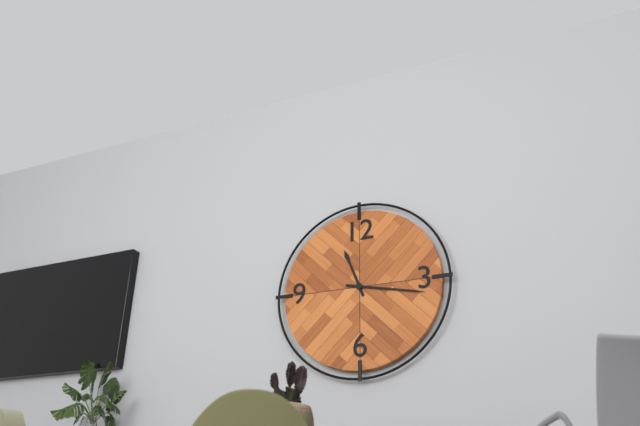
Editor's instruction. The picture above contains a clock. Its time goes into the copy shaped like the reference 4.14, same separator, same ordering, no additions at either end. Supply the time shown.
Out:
11.17
